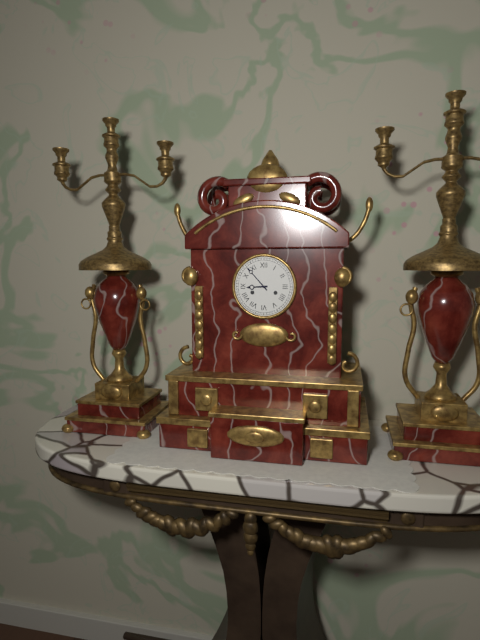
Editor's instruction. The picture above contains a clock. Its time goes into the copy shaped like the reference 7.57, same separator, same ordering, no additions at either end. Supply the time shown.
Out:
8.53
